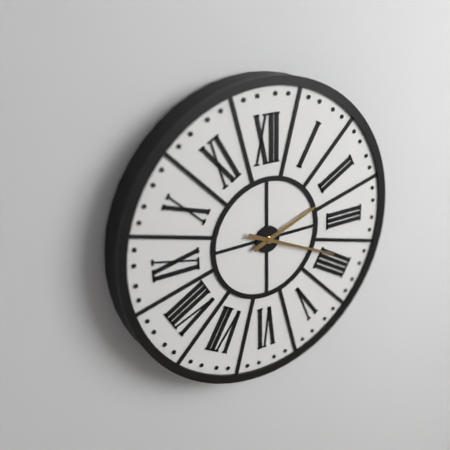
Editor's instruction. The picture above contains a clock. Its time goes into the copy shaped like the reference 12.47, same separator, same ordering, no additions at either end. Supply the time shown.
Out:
2.19
